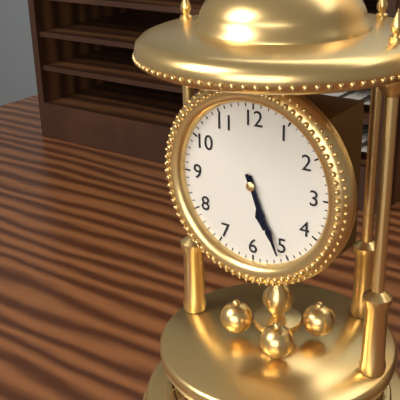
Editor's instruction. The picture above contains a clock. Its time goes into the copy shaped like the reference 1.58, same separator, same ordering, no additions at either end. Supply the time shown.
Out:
5.26
